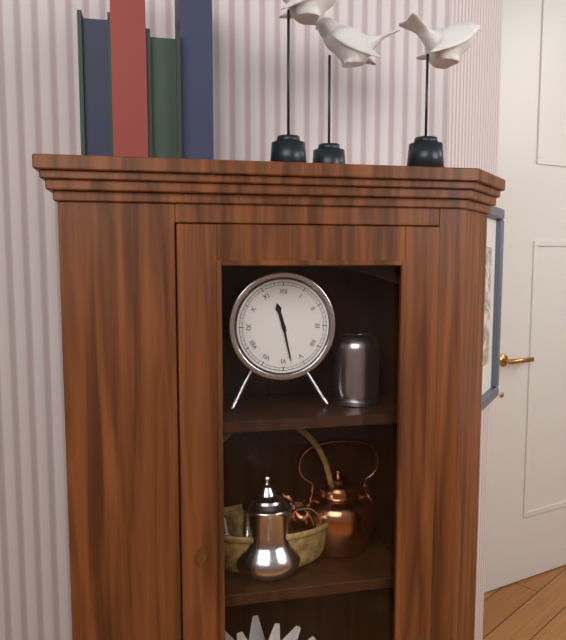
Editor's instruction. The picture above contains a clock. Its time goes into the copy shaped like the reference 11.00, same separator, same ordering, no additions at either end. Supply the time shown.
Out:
11.28
